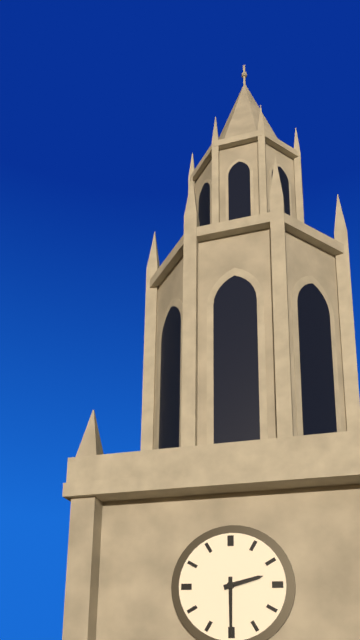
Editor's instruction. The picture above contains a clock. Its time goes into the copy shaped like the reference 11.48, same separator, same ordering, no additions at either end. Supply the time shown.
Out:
2.30
